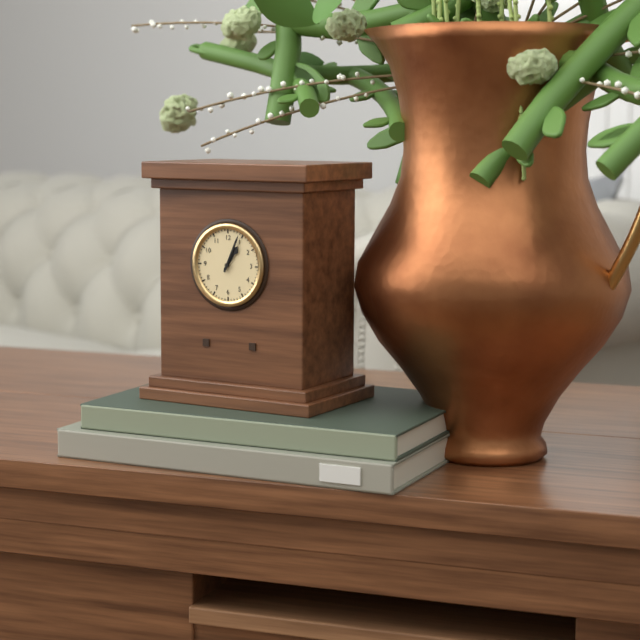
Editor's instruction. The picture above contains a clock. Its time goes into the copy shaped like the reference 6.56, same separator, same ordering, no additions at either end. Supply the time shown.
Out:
1.04
